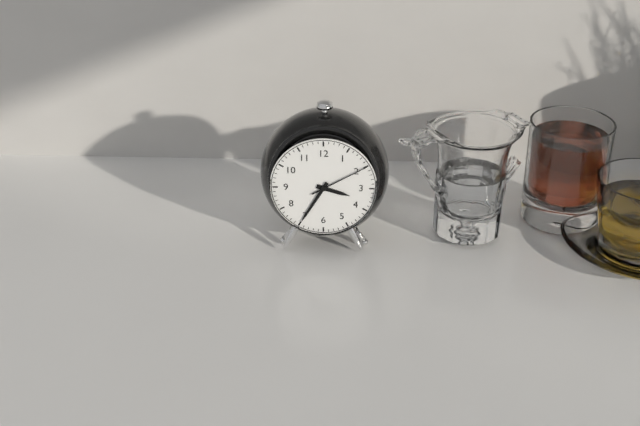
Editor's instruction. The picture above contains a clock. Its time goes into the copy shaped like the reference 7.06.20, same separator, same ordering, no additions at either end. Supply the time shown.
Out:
3.35.10
